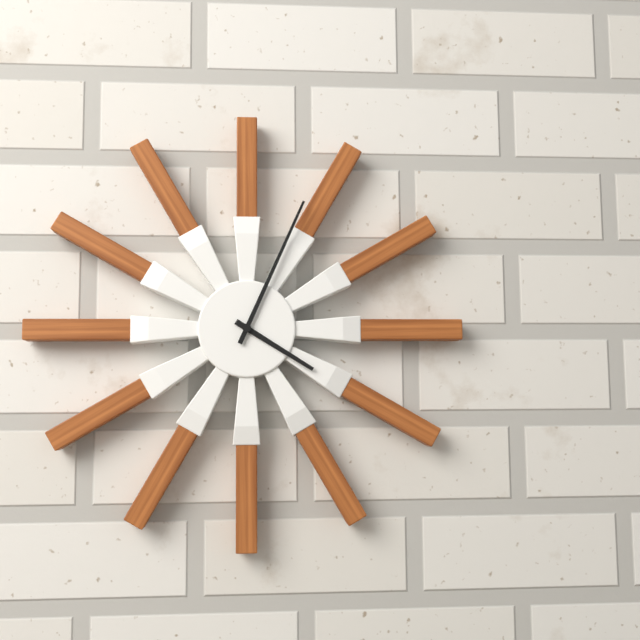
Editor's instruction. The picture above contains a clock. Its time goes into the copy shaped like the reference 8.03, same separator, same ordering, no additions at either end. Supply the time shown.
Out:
4.04
